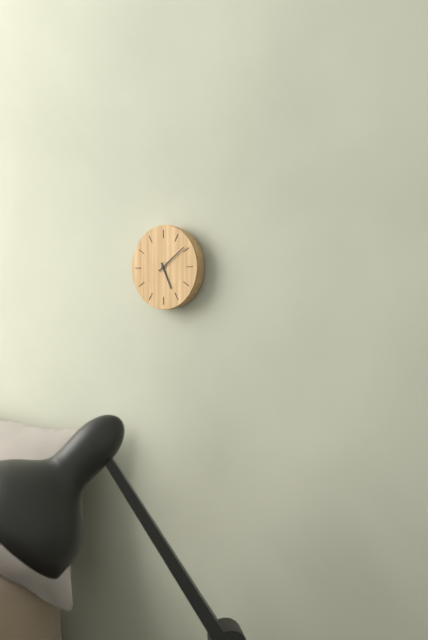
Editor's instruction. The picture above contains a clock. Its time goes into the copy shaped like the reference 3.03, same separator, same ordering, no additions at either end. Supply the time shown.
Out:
5.09
